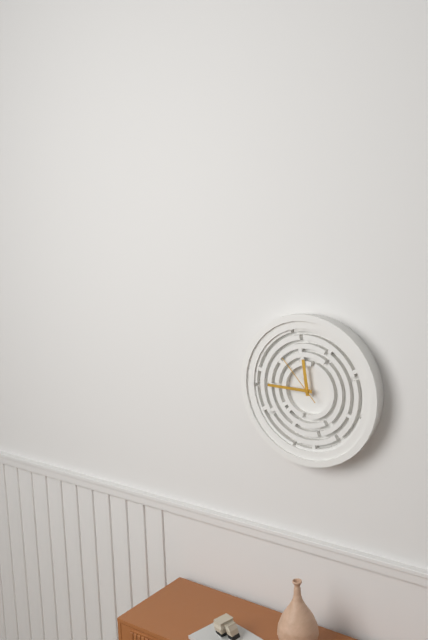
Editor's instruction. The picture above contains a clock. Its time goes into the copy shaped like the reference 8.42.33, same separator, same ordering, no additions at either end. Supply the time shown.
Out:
11.45.53
